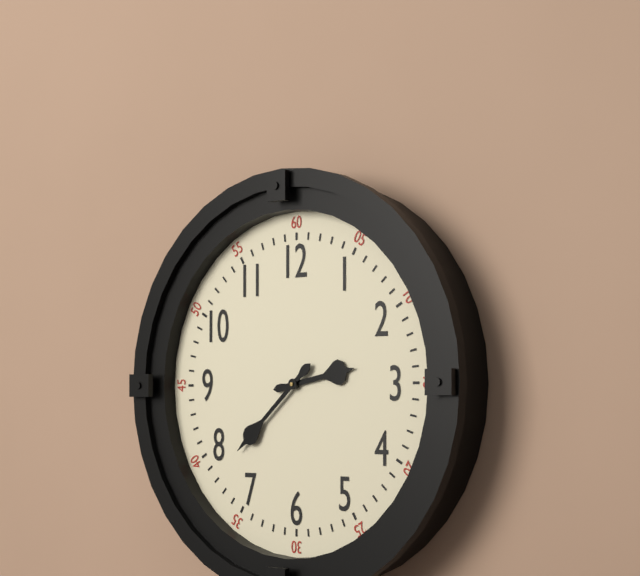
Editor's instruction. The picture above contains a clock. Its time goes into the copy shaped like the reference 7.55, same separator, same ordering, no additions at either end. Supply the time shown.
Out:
2.38
